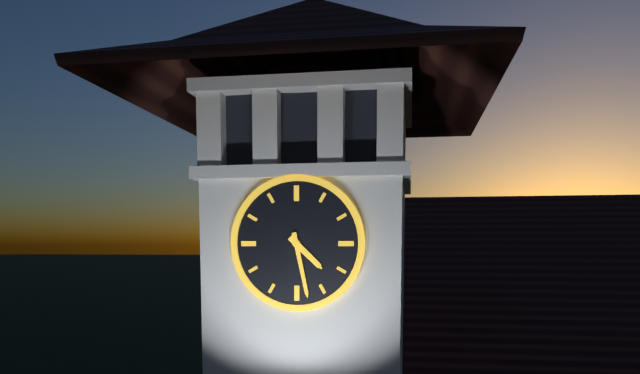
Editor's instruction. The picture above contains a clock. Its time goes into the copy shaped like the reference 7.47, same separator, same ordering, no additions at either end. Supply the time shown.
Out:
4.28
